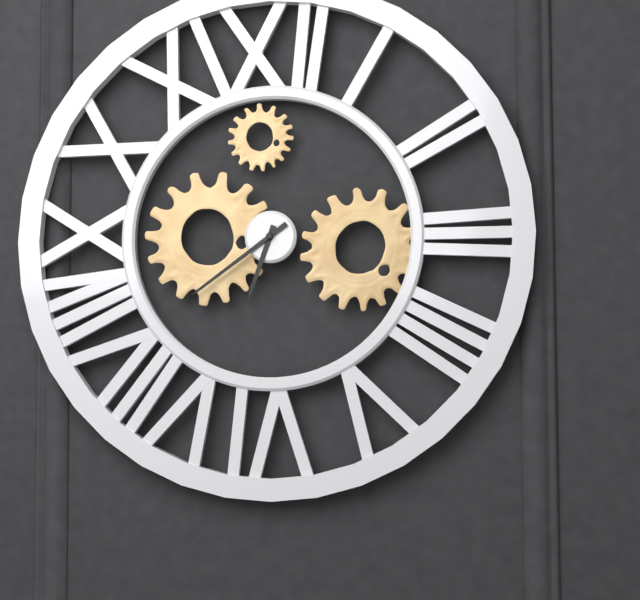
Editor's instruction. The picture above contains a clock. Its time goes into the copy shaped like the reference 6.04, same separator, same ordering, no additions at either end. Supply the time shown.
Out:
6.39
